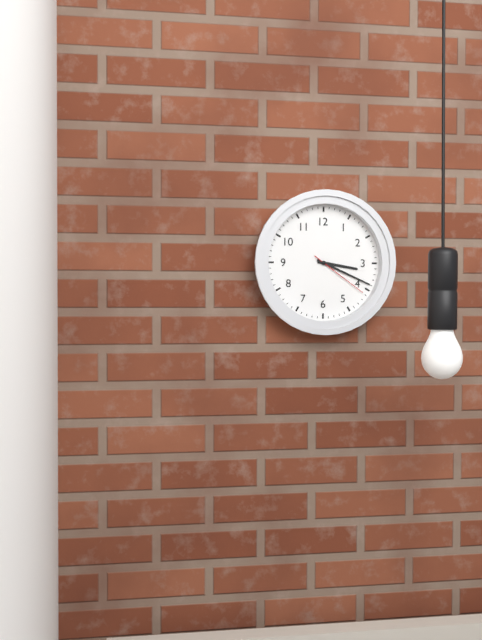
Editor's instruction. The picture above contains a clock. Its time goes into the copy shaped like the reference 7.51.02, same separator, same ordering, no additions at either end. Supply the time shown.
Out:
3.19.21
